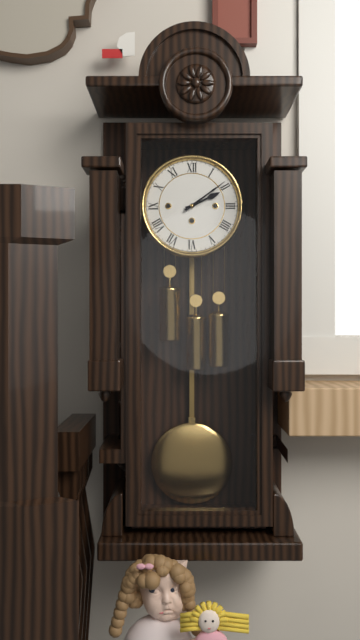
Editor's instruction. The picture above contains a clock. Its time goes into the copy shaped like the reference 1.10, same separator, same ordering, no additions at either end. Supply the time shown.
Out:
2.09
